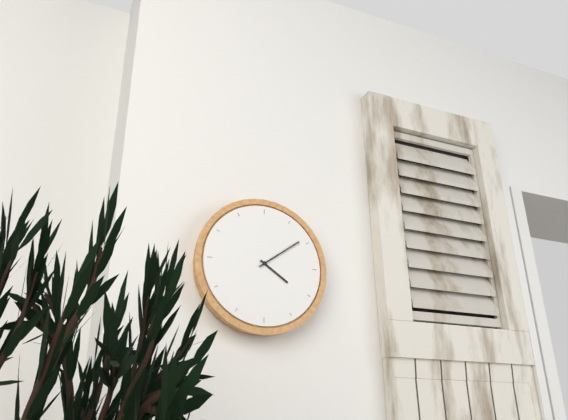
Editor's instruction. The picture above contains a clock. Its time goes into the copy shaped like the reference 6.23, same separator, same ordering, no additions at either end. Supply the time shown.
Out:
4.09
